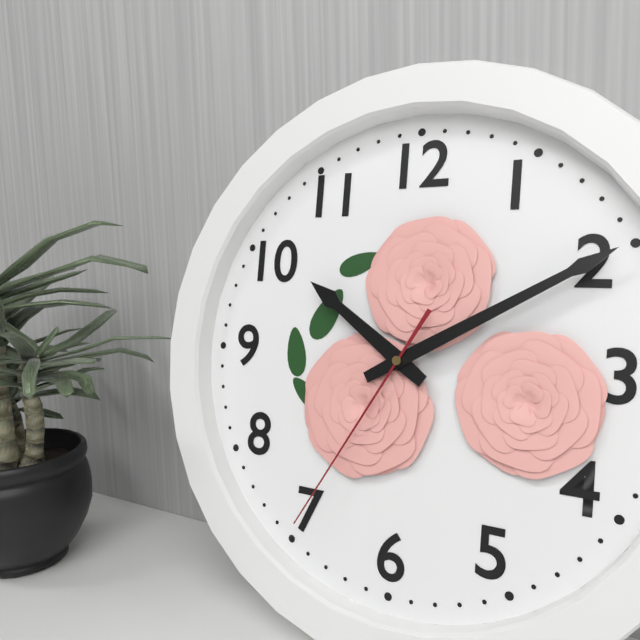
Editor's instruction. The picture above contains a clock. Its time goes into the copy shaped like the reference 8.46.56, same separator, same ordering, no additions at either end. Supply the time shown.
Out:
10.10.35
